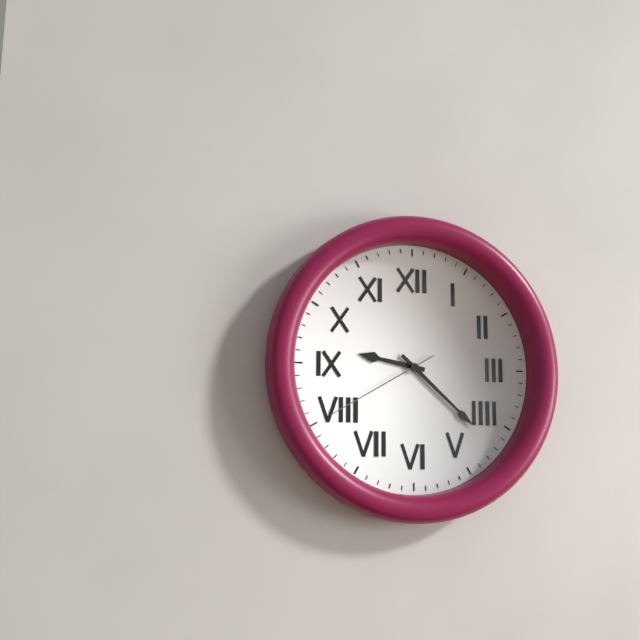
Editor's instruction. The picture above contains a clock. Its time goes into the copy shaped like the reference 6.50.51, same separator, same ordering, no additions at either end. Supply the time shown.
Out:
9.22.40
